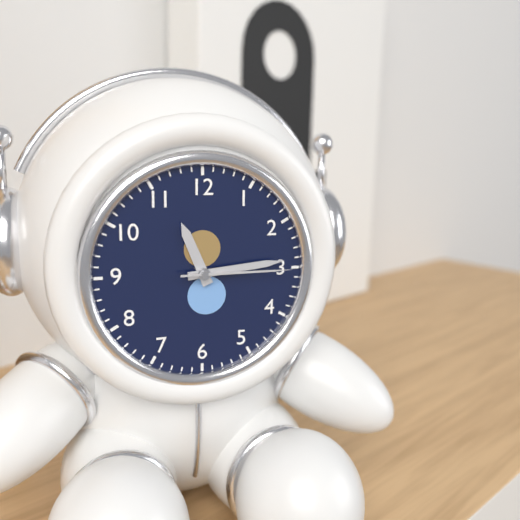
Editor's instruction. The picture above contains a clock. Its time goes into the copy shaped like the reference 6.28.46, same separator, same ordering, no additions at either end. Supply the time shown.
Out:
11.14.15
